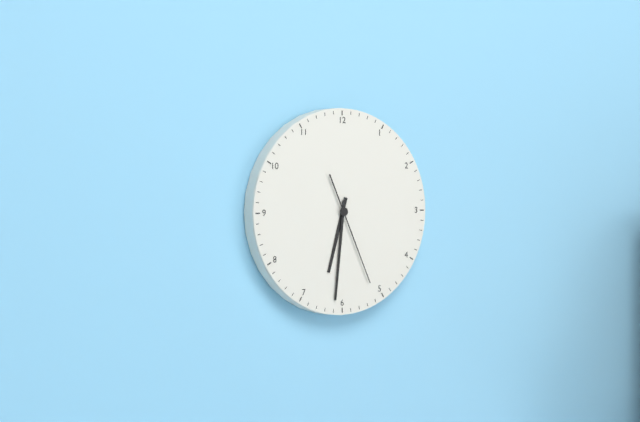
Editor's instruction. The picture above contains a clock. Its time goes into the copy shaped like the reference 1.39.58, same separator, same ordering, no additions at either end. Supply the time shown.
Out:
6.31.26
